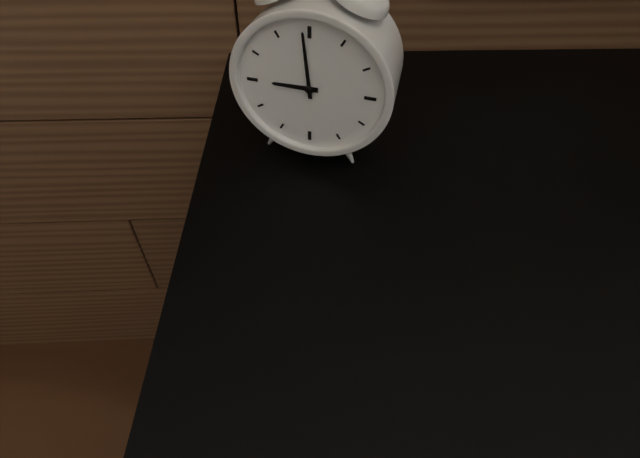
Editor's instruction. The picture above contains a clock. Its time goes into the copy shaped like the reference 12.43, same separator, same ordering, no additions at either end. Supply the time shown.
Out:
8.59
